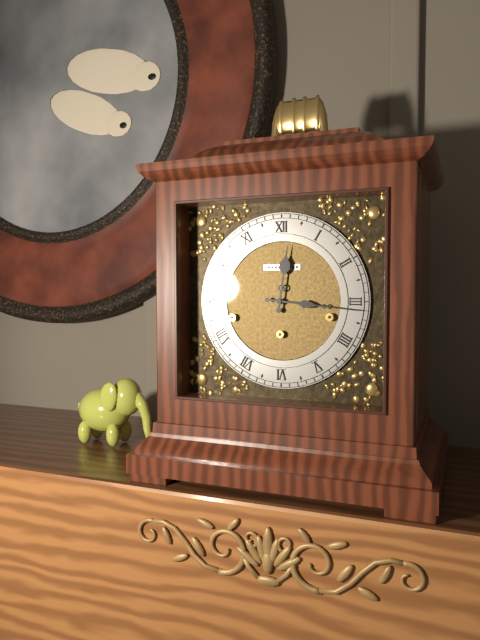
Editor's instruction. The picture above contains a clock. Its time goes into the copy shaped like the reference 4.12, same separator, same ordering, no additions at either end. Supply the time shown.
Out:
12.16
